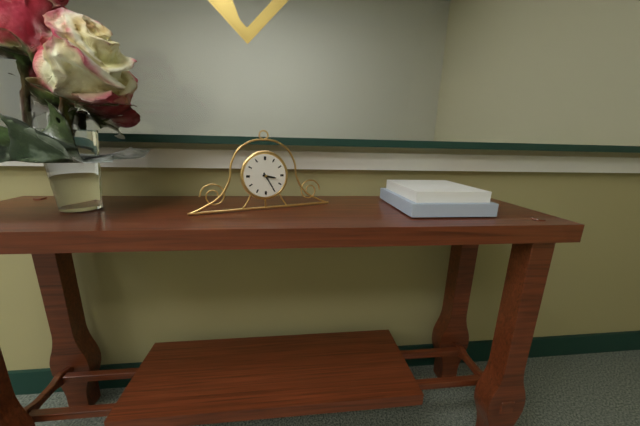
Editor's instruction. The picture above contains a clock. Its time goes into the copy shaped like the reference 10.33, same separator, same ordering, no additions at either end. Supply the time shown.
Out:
3.25
